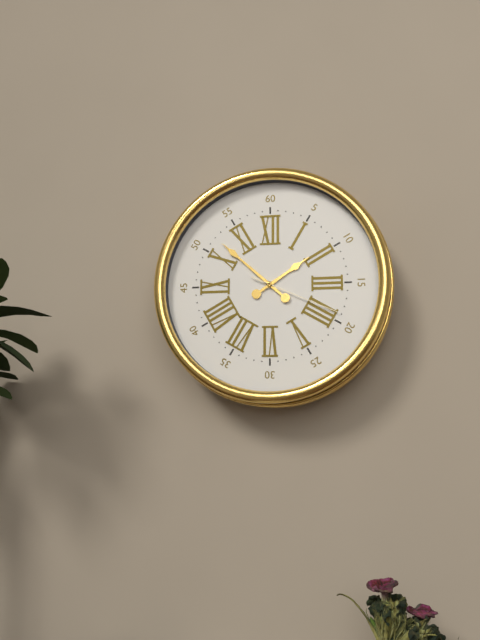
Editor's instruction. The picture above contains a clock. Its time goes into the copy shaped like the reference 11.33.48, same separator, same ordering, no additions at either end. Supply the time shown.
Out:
1.52.19
